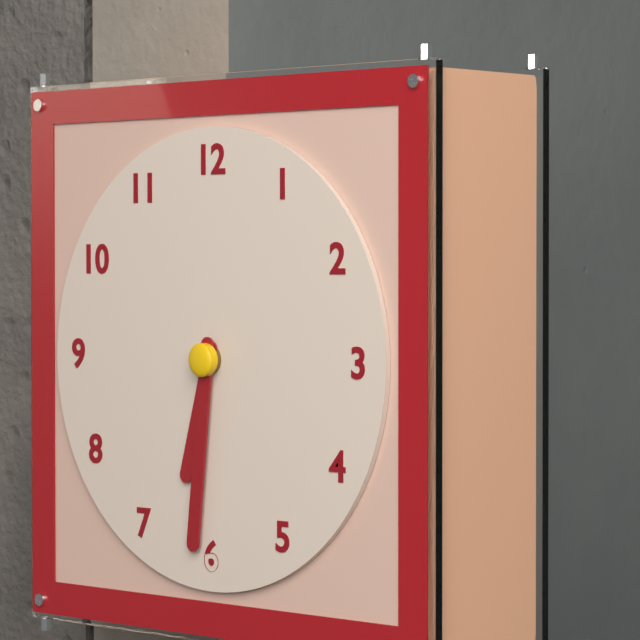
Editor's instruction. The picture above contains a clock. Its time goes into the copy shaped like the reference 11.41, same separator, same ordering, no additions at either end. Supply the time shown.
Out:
6.31
